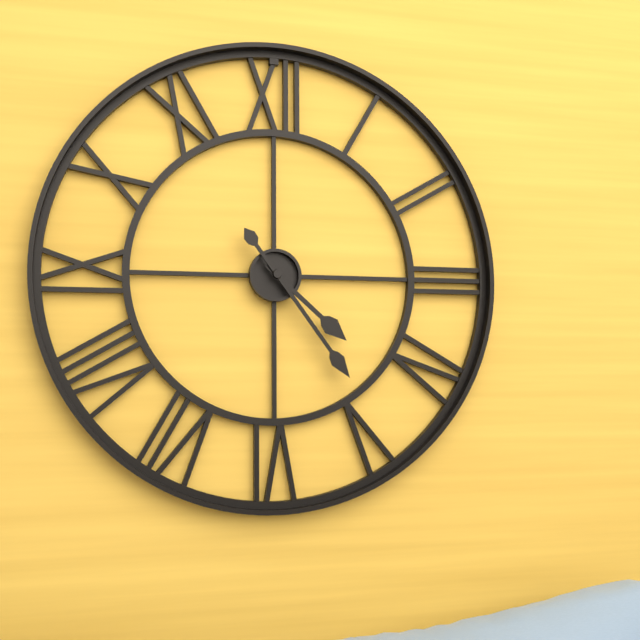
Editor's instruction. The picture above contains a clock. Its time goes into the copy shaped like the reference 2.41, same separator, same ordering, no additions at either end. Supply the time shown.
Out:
4.24
